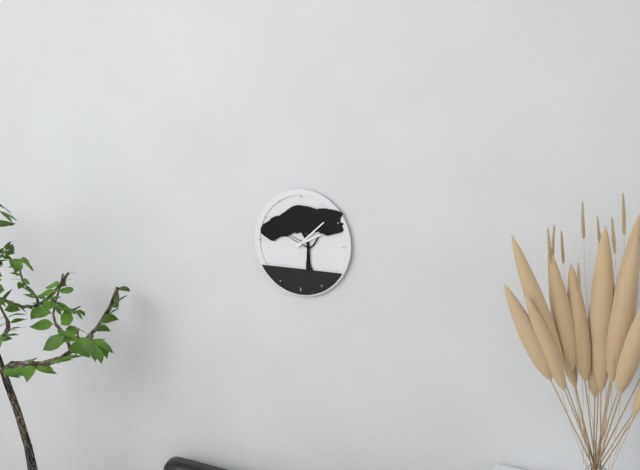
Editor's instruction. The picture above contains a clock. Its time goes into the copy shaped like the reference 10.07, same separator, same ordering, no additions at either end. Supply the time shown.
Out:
2.08
